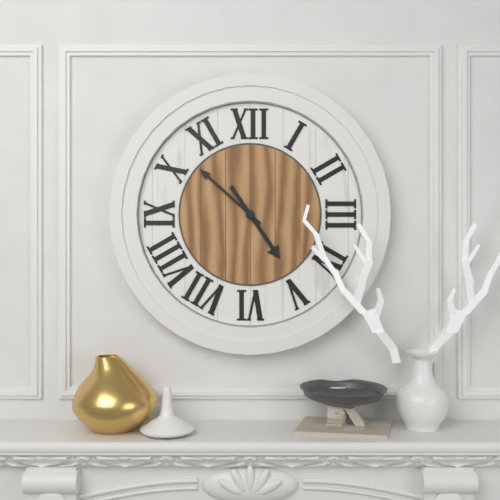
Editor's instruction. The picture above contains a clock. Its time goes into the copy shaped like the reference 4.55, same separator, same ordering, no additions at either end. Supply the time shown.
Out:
4.52
